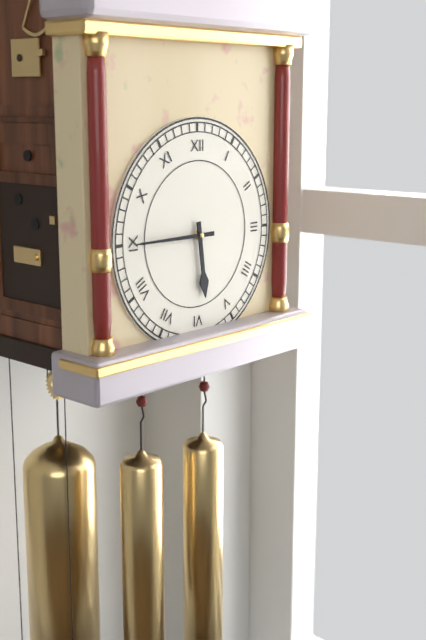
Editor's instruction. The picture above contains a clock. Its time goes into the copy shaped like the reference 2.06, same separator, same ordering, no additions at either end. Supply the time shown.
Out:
5.45
